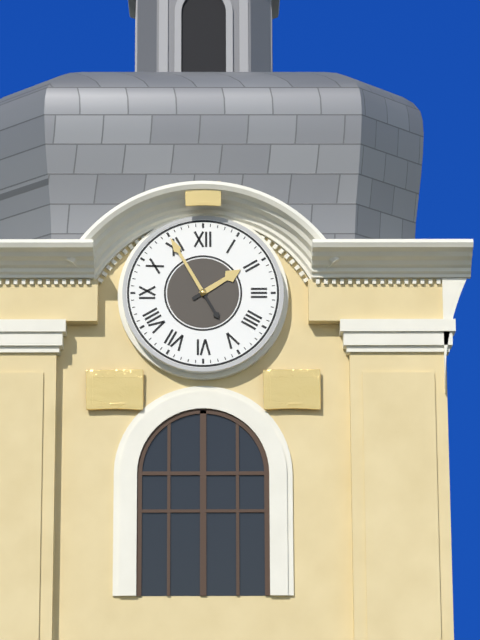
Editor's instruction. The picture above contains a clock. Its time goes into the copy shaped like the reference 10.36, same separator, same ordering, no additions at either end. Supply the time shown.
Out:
1.55
